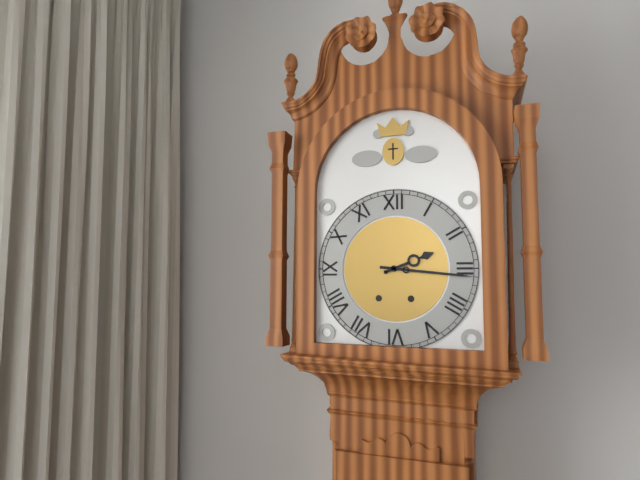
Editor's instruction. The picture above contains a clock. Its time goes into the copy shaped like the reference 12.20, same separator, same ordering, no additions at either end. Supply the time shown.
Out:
2.16
